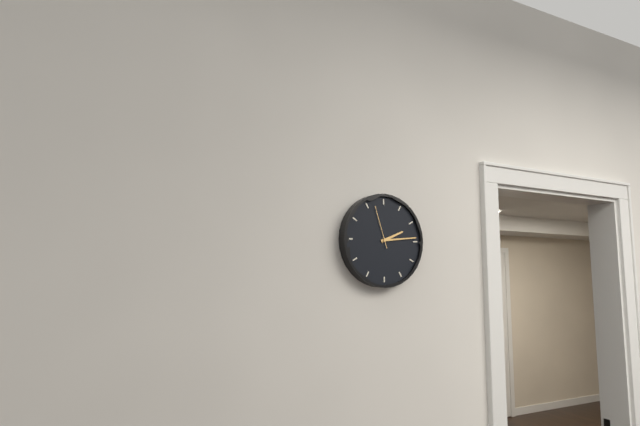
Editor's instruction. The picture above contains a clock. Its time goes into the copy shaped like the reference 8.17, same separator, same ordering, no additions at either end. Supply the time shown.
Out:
2.14
